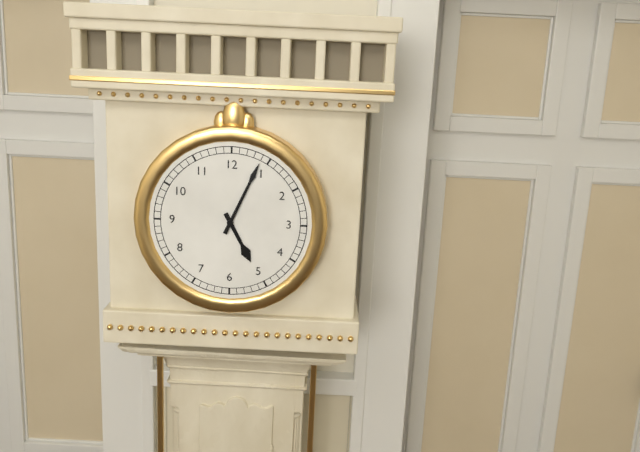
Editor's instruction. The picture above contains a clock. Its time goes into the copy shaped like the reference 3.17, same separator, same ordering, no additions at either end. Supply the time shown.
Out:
5.04
